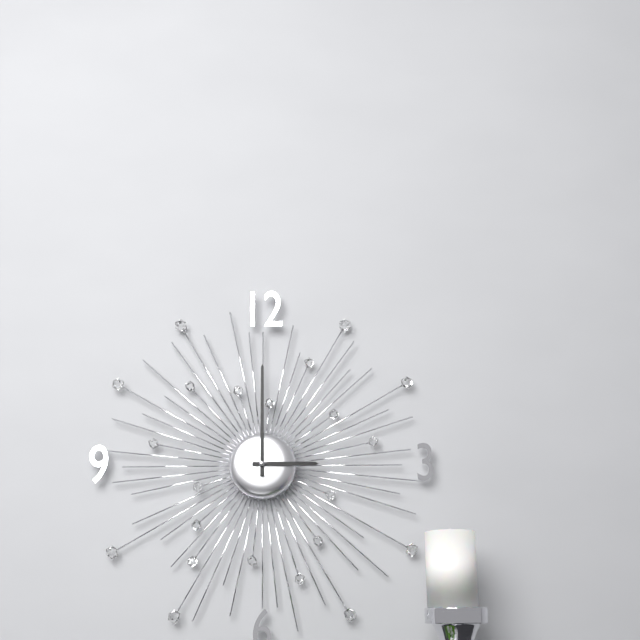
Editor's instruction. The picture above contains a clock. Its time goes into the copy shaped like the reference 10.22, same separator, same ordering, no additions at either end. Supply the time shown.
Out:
3.00
